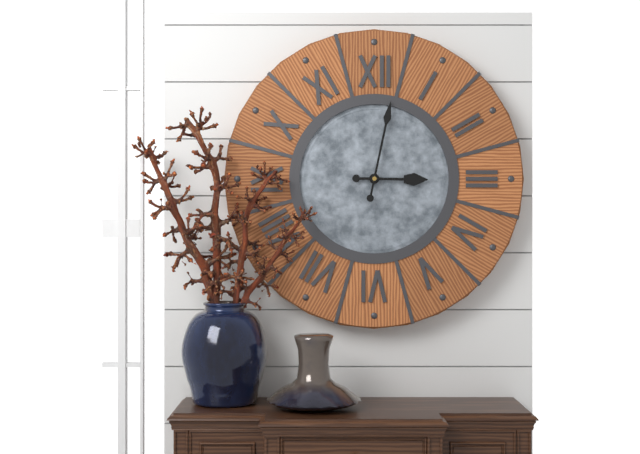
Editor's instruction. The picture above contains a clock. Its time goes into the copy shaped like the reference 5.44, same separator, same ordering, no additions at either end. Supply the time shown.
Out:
3.02
